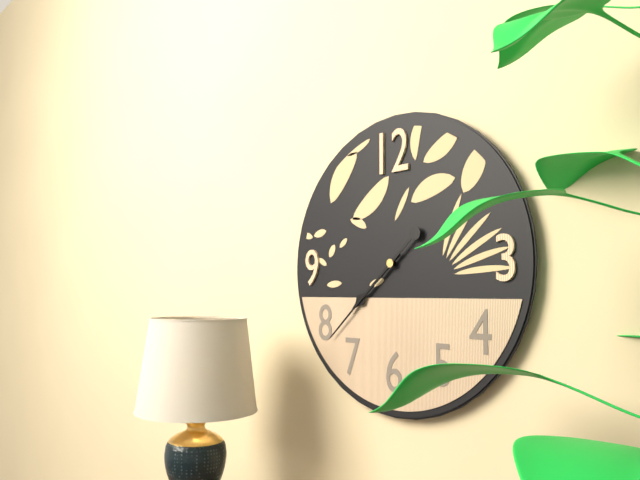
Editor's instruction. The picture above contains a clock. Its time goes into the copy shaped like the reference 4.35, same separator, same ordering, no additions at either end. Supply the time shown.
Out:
7.38
